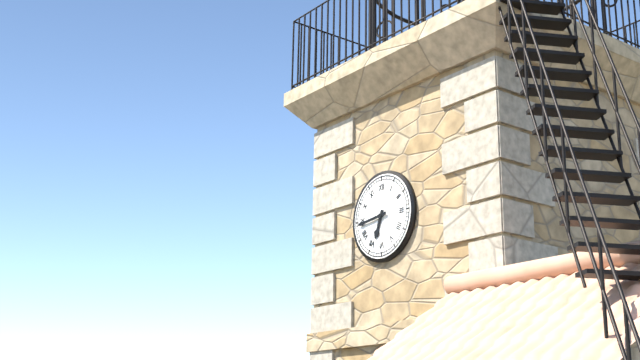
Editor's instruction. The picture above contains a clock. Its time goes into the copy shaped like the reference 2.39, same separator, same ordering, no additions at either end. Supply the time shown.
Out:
6.44
